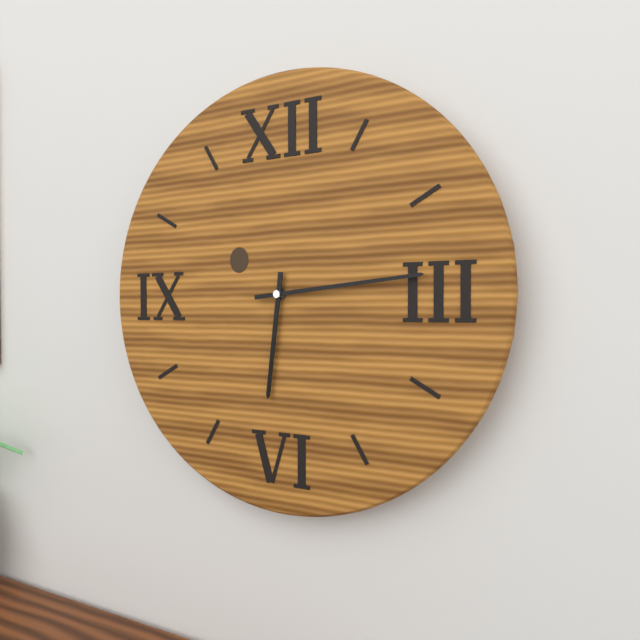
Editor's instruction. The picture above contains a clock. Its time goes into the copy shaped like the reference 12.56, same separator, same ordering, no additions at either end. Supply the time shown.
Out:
6.14
